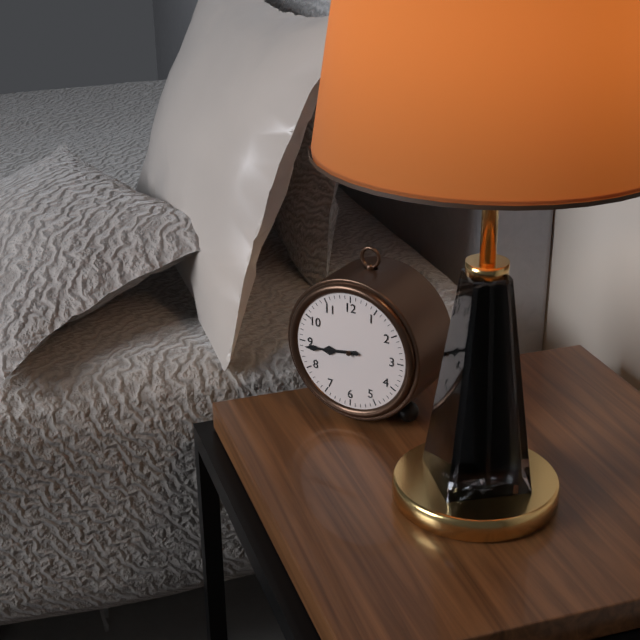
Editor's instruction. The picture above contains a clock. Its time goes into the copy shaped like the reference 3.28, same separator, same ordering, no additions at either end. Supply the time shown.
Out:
8.44
